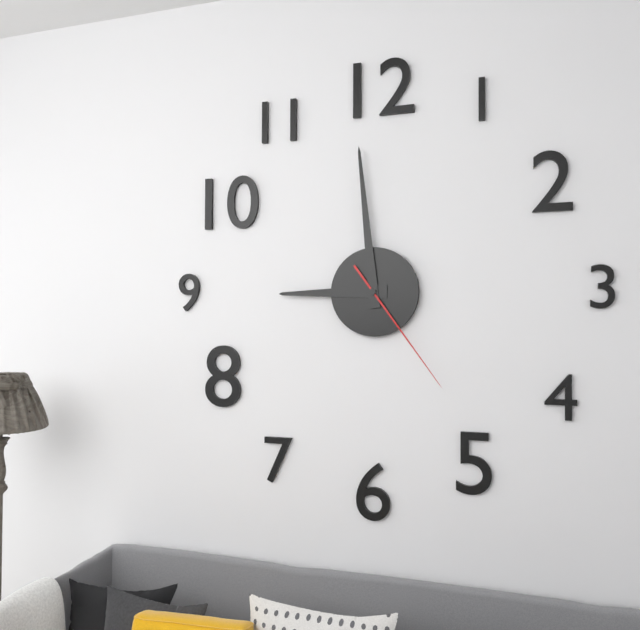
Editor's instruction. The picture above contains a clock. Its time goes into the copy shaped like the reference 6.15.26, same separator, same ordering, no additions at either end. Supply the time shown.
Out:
8.59.24
